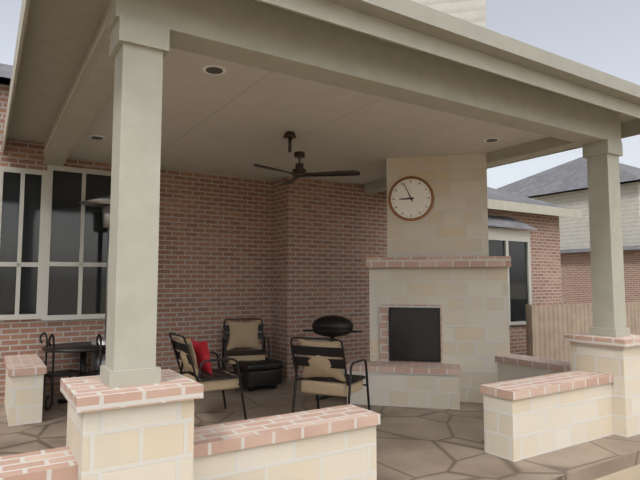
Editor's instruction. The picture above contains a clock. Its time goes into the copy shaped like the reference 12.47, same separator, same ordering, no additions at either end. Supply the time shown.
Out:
8.56
